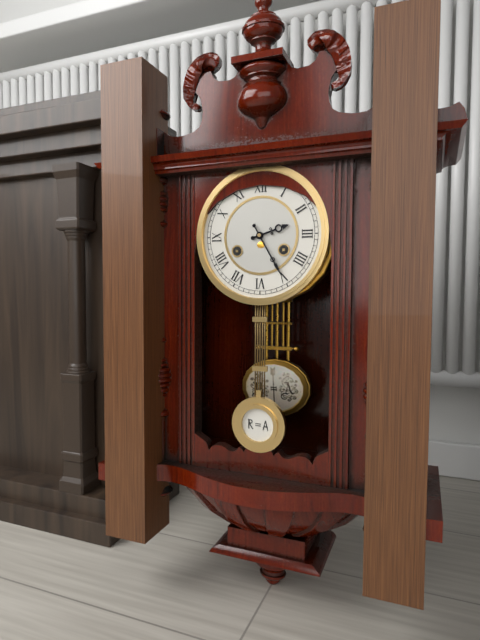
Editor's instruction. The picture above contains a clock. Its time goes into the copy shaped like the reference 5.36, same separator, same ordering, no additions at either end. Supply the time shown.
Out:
2.25
